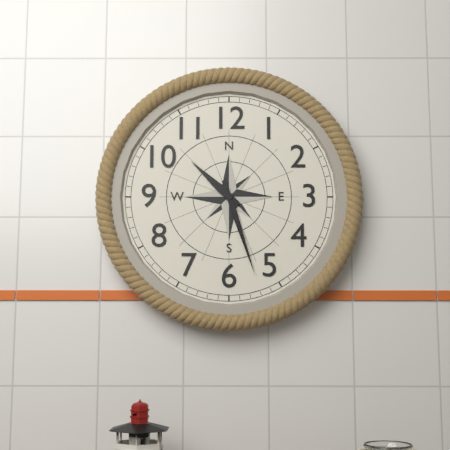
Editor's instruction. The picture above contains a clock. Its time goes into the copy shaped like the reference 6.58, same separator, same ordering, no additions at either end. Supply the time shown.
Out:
10.27
